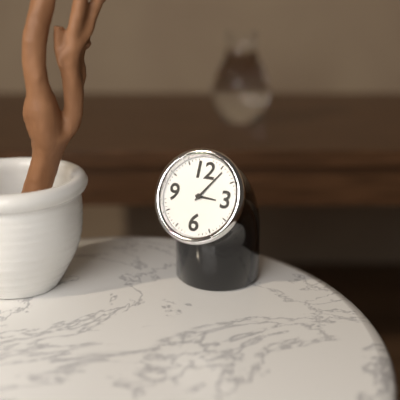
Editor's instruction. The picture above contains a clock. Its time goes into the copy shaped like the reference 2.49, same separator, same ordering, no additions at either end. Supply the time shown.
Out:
3.06
